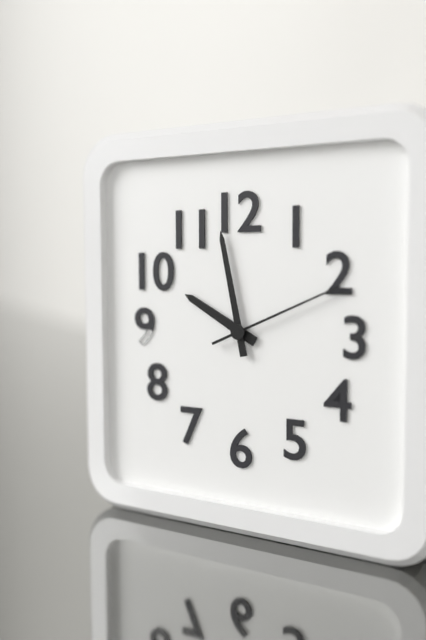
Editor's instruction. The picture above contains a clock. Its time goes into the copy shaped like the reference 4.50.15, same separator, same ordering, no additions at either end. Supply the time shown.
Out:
9.58.11
